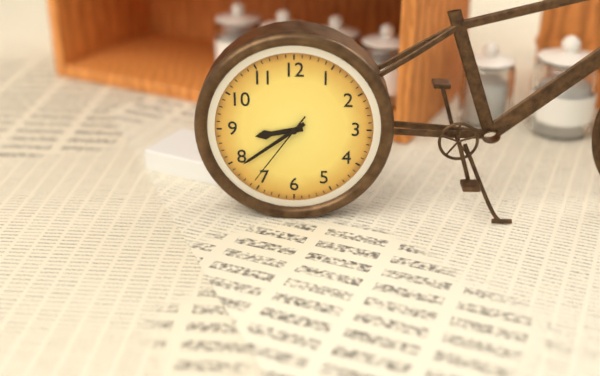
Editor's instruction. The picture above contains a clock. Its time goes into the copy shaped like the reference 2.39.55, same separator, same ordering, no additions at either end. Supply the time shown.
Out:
8.39.36
